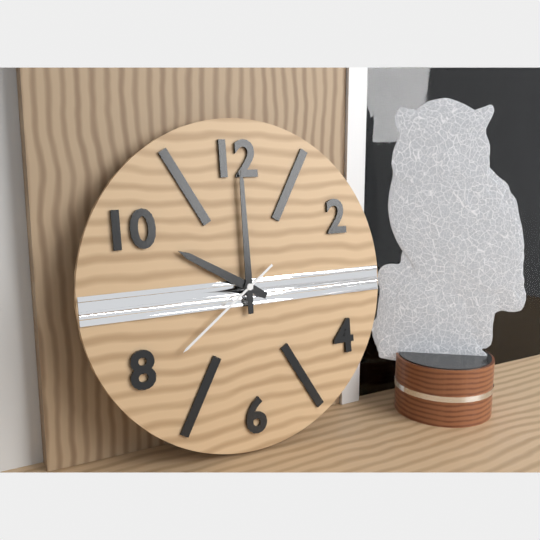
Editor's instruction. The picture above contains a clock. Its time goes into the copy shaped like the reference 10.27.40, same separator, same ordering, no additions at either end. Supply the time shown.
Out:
10.00.39
